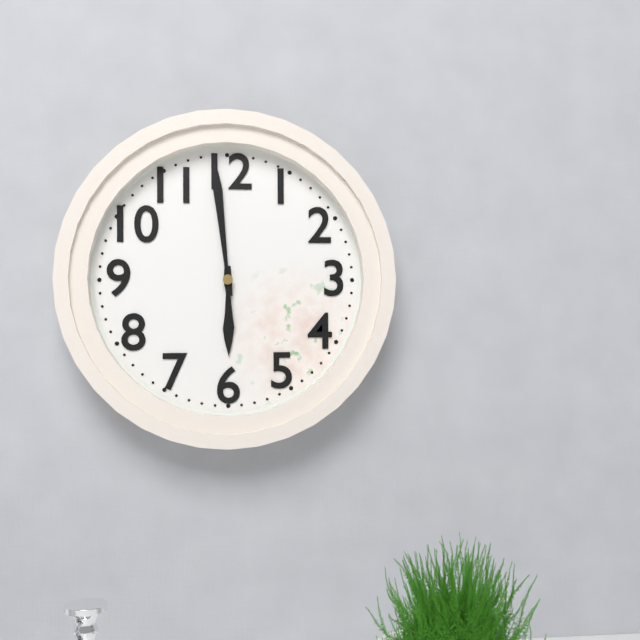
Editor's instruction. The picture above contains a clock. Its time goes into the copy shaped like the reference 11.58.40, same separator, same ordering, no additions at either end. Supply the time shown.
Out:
5.59.59
